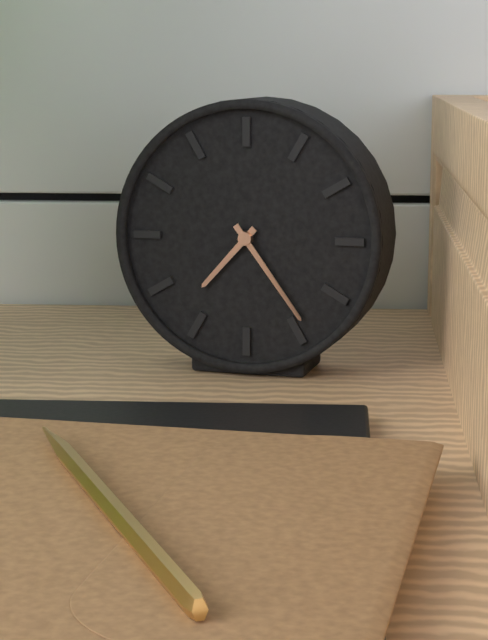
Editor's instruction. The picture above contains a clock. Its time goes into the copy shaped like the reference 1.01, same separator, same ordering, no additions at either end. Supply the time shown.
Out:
7.24
